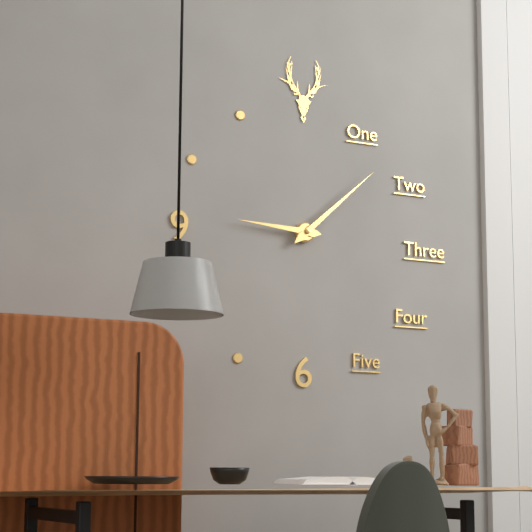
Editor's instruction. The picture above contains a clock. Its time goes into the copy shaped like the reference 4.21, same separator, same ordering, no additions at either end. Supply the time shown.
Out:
9.08
